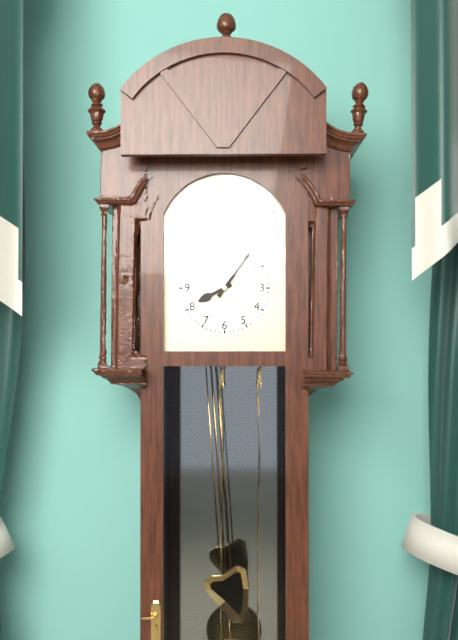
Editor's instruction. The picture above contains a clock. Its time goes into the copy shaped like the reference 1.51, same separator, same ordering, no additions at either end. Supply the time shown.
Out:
8.06
